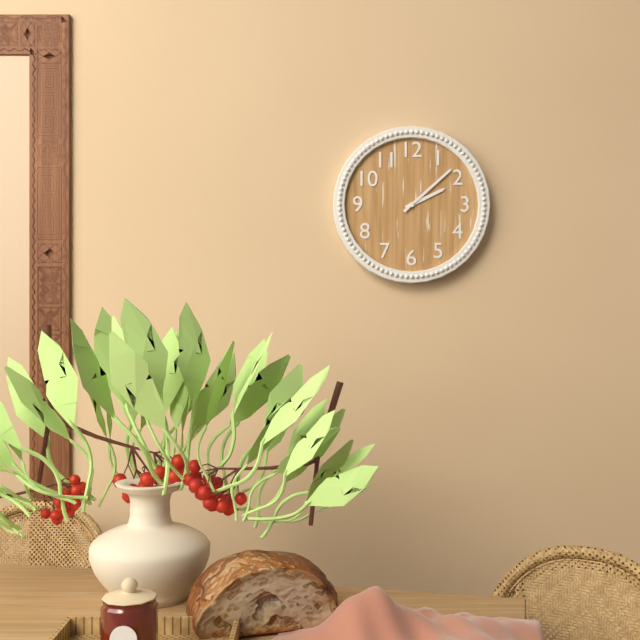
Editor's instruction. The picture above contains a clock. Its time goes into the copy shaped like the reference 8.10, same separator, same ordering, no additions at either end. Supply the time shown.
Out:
2.08
